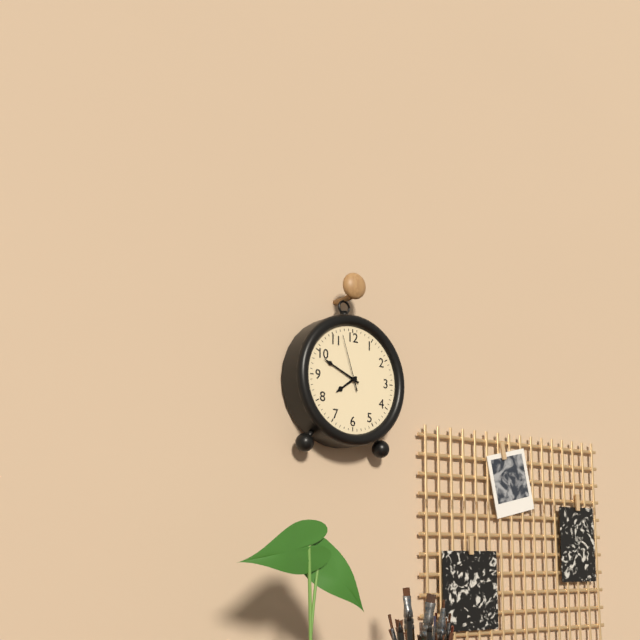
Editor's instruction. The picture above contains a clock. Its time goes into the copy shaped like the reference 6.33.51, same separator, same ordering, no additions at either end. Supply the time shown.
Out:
7.49.57
